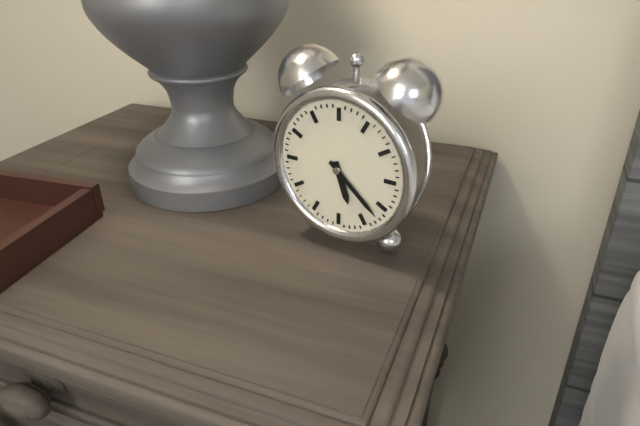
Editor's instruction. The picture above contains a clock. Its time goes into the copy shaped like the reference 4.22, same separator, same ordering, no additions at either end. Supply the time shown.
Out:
5.22
